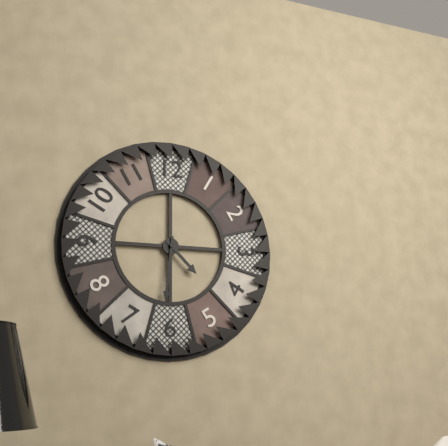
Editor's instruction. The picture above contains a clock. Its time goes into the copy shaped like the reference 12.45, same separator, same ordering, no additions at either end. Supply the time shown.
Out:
4.31
